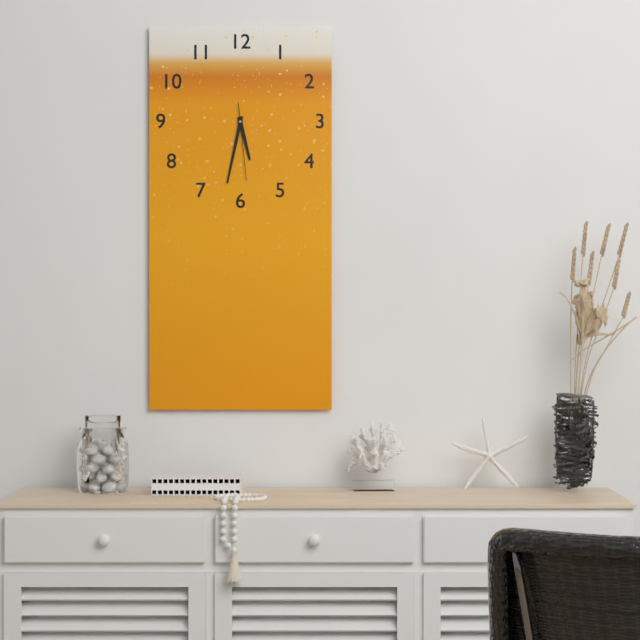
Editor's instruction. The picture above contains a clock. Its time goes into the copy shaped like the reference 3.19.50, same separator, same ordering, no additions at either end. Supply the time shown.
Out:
5.32.29
